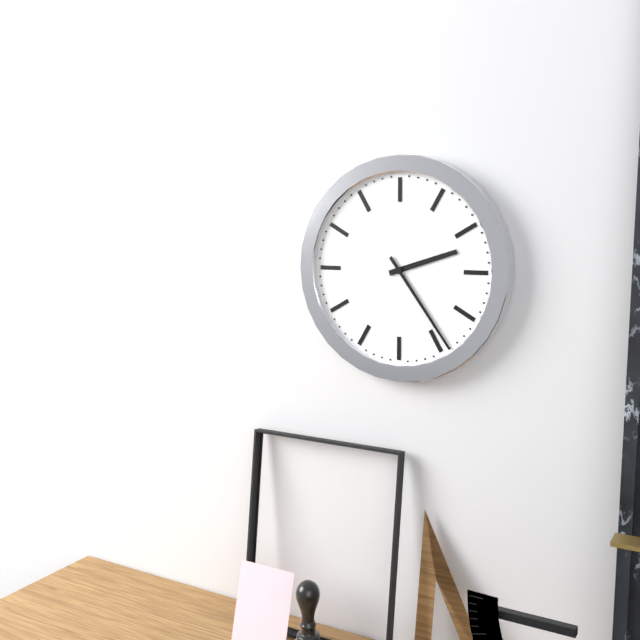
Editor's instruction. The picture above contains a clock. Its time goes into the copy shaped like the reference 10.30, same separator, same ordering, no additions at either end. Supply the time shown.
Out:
2.24
